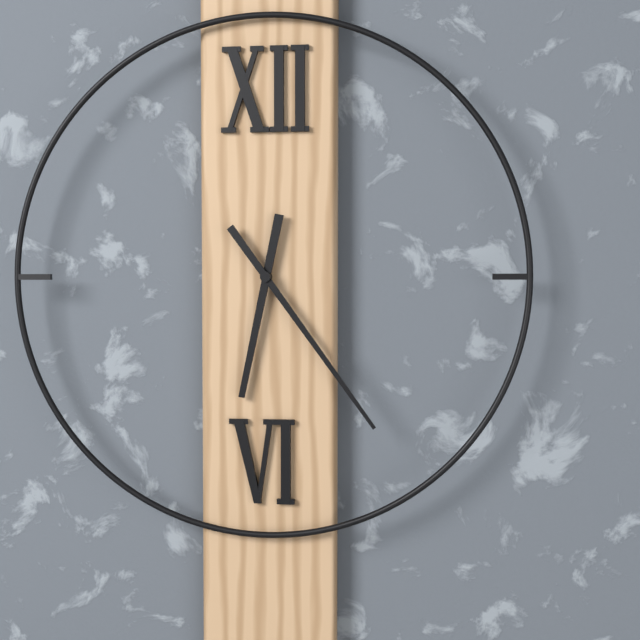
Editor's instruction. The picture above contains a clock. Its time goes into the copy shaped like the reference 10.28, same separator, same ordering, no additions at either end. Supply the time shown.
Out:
6.24
